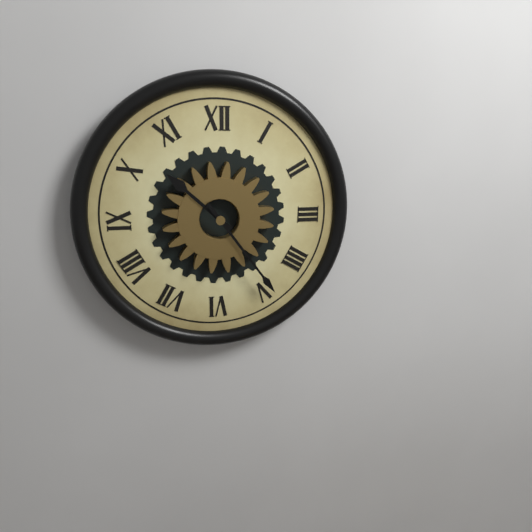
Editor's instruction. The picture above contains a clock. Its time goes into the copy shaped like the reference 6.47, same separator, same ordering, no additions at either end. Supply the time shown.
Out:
10.24
